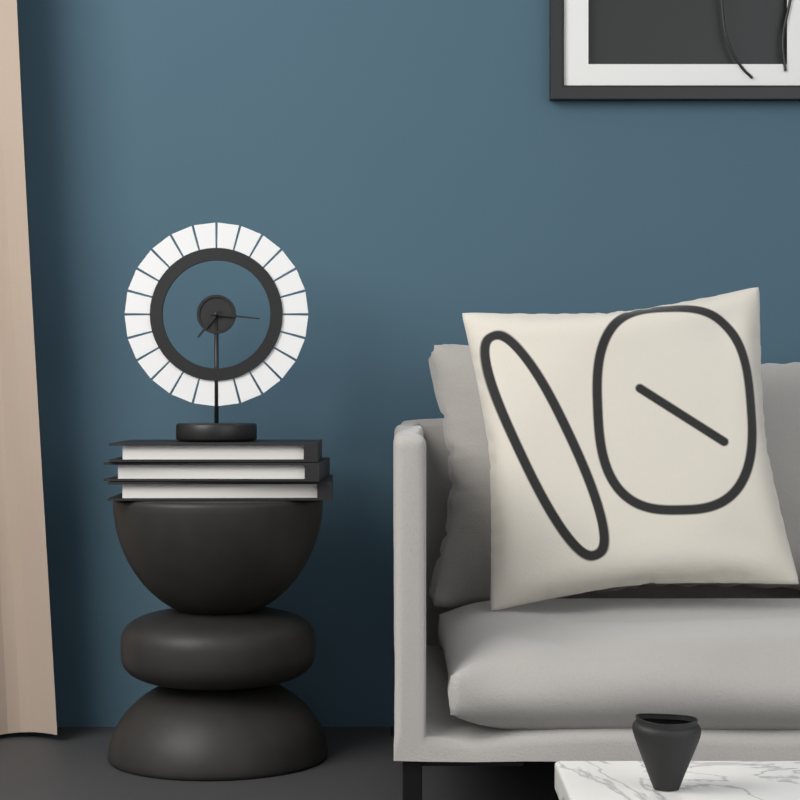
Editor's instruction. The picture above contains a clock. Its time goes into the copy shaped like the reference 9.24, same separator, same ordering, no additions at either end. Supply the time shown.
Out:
7.16
